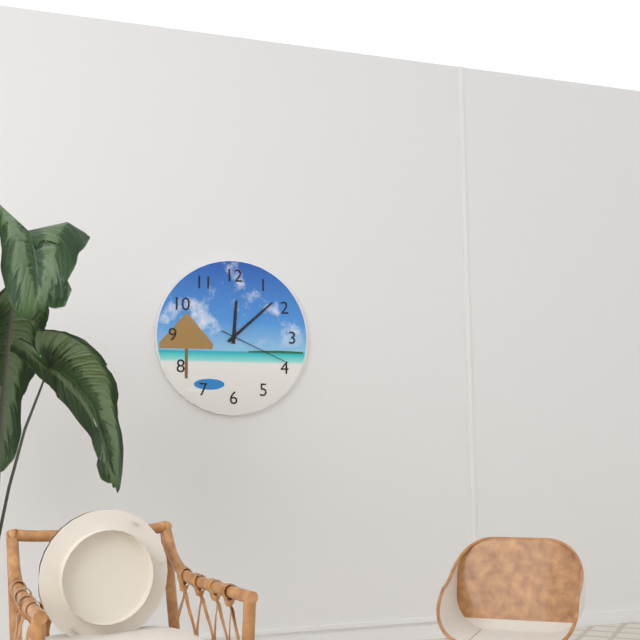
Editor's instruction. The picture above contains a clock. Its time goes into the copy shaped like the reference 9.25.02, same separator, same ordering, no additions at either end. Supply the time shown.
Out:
12.08.19
